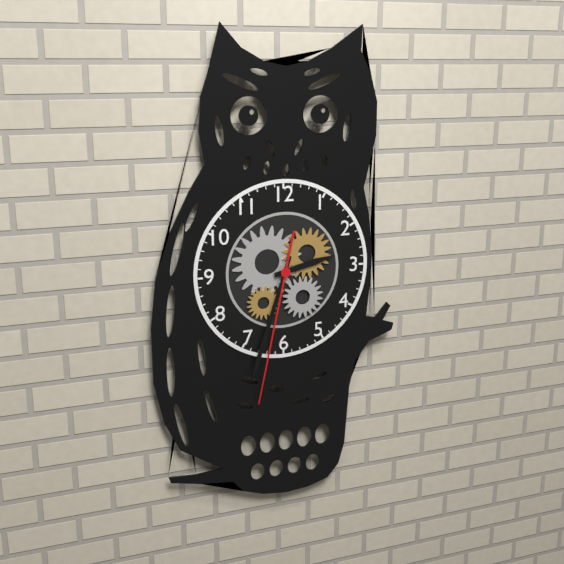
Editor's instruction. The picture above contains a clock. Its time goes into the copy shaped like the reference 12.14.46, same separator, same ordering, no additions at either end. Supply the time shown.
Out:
2.33.32
